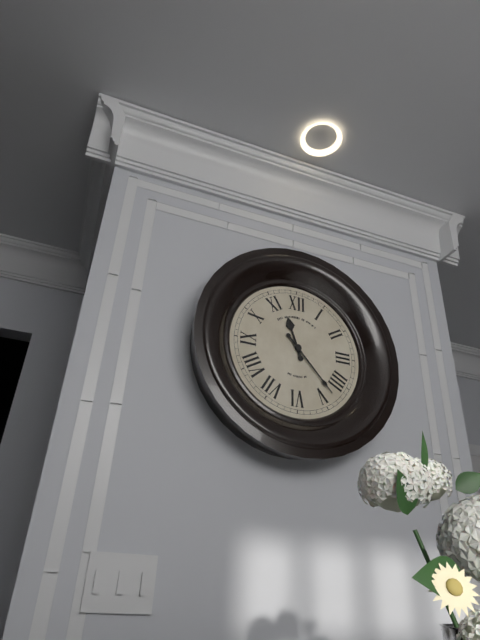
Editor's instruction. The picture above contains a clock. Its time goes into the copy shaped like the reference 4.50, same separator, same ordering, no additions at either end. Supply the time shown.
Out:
11.23
